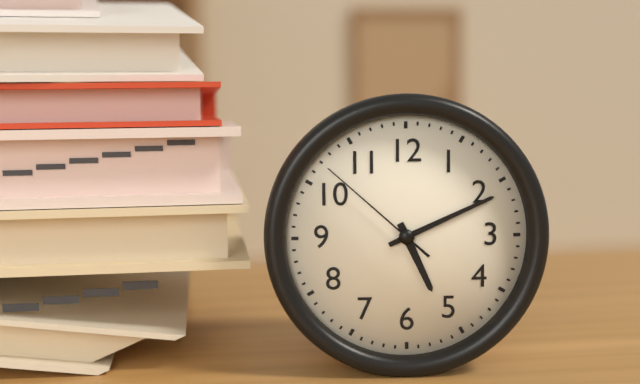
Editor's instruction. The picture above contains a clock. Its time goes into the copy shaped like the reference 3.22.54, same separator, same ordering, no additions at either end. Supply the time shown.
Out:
5.11.52
